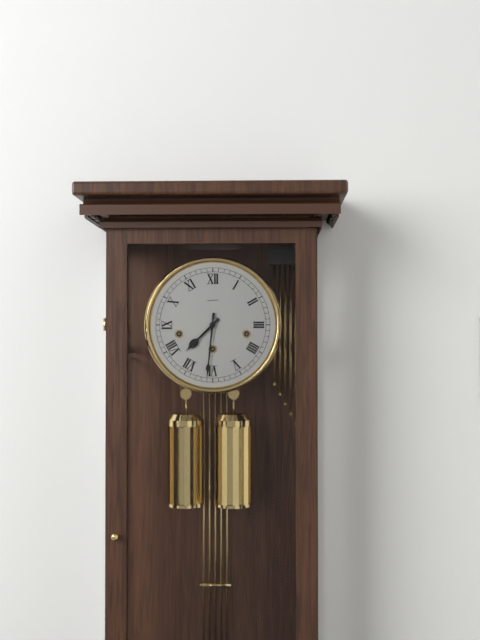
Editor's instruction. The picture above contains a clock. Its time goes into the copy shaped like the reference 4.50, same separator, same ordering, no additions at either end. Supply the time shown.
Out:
7.31
